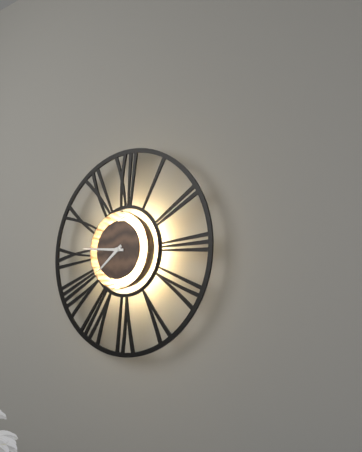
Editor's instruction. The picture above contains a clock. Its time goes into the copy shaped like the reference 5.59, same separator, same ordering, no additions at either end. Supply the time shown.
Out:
7.46
